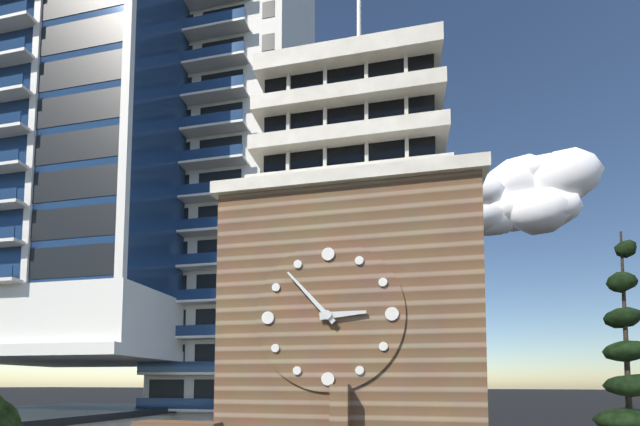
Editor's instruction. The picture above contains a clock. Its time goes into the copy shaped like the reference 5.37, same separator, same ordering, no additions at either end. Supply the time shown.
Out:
2.53
